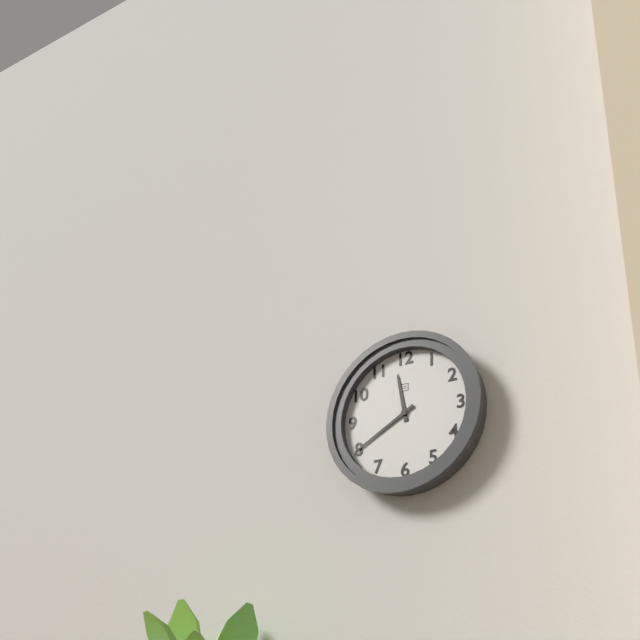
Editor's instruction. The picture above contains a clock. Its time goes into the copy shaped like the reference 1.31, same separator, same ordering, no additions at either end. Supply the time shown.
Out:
11.40
